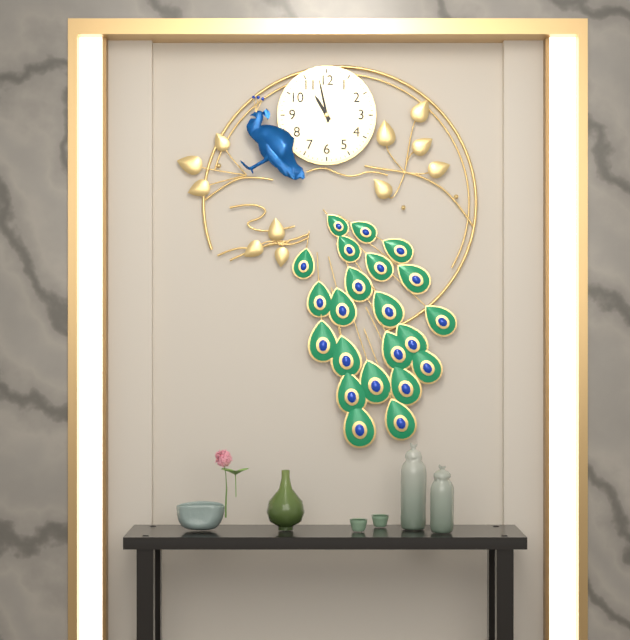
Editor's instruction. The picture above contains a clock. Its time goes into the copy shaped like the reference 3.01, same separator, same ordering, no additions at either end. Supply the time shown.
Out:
10.58
